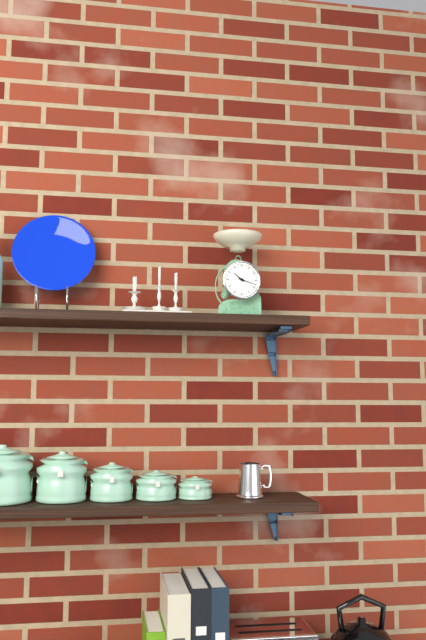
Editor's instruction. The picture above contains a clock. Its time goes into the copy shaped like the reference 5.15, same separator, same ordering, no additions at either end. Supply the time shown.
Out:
10.18
